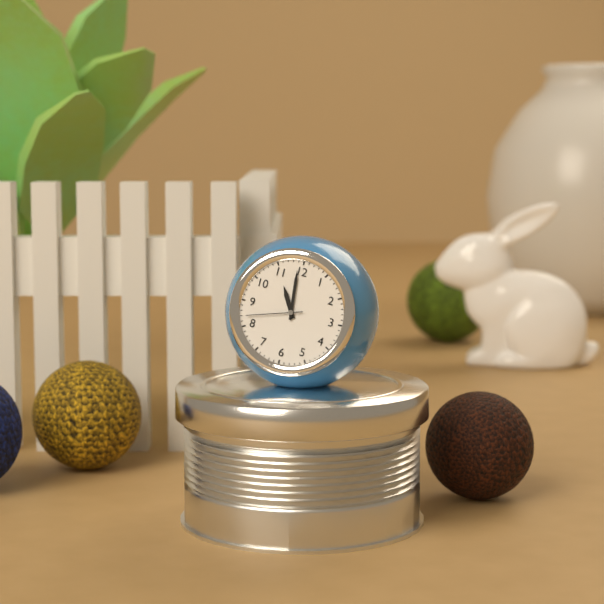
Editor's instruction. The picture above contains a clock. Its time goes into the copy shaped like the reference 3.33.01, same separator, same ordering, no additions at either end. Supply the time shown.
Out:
10.59.42
